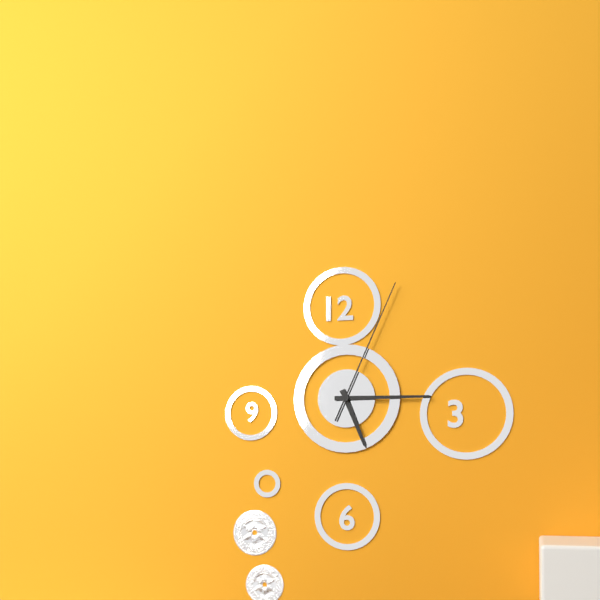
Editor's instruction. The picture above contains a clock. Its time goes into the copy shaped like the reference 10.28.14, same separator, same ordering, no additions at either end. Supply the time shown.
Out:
5.15.04
